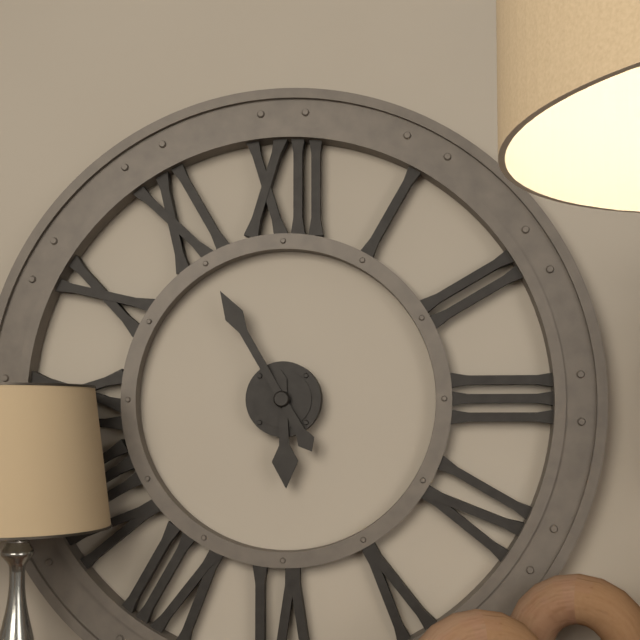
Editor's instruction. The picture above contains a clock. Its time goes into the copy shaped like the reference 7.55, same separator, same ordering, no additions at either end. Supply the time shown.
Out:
5.55
